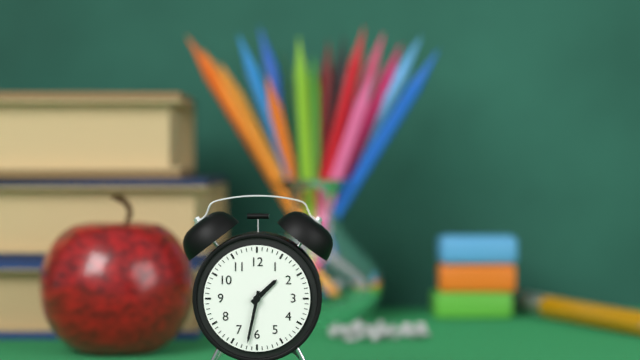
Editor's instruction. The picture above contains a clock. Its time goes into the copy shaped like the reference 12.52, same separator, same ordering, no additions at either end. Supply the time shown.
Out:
1.32
